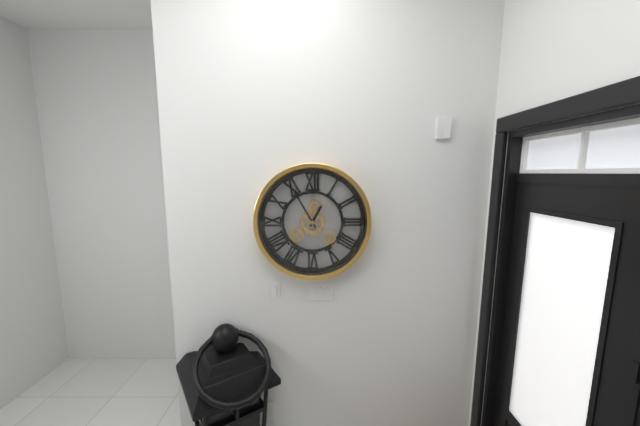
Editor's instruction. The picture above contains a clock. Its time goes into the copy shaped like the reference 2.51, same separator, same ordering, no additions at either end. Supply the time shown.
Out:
12.55
